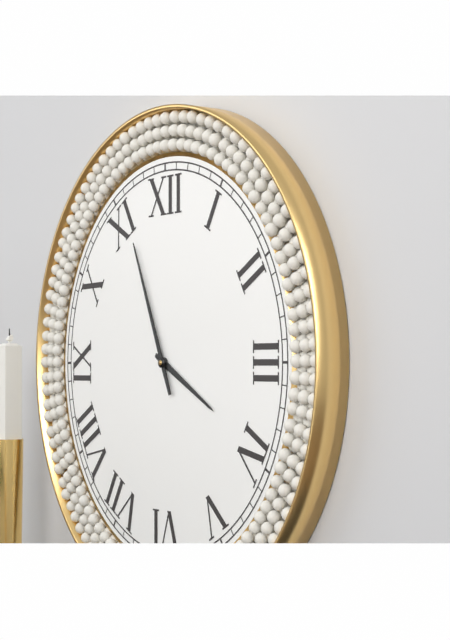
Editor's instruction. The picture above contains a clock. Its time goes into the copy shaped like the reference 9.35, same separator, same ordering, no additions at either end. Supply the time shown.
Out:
3.56
